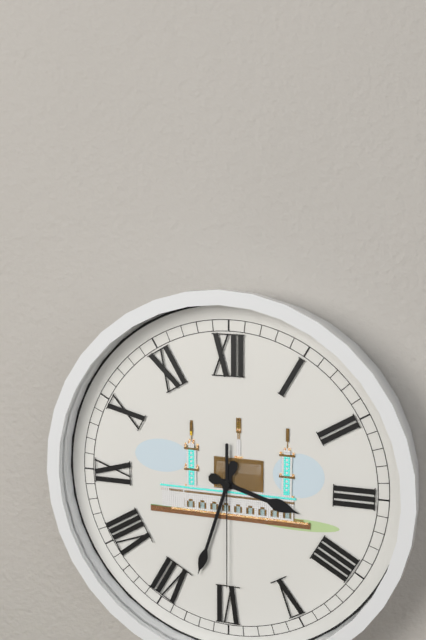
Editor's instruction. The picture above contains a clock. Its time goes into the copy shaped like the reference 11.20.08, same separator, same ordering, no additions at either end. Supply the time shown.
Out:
3.33.30
